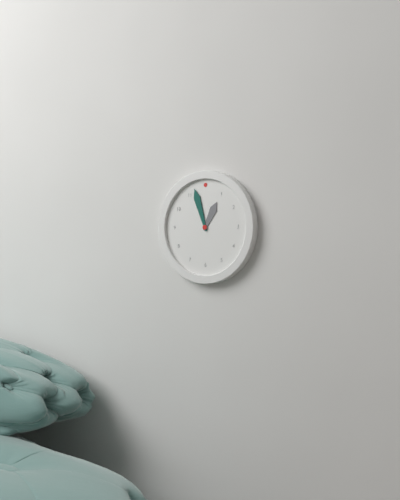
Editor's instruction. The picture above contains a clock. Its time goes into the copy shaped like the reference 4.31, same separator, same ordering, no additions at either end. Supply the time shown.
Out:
12.57
